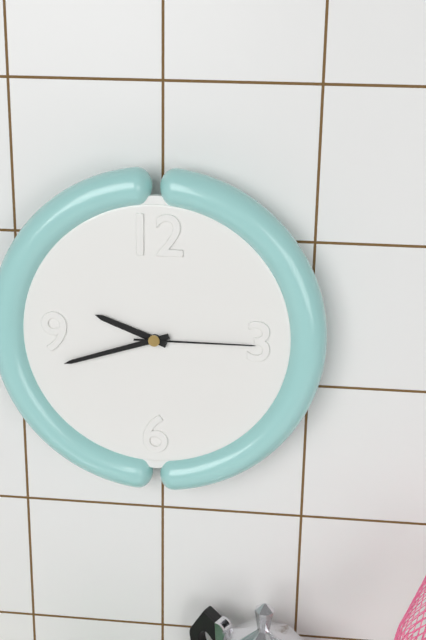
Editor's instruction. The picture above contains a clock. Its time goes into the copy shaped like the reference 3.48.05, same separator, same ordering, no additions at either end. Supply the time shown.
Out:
9.42.15
